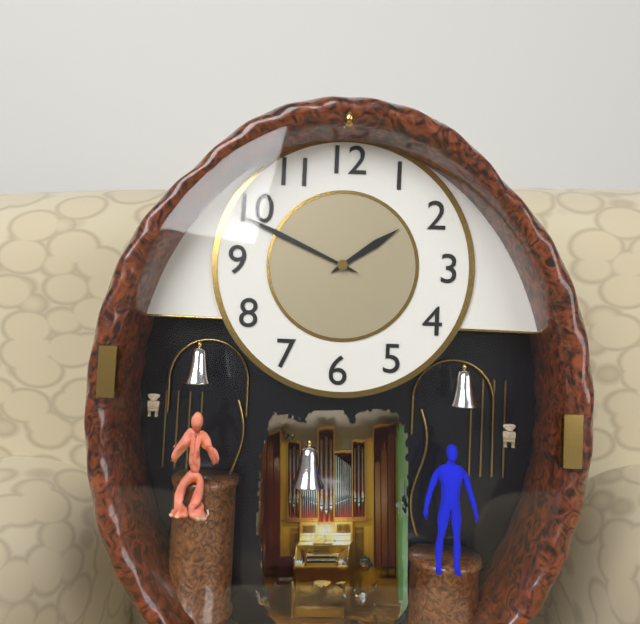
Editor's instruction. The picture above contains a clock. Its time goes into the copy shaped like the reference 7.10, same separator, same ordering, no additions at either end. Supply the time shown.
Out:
1.49
